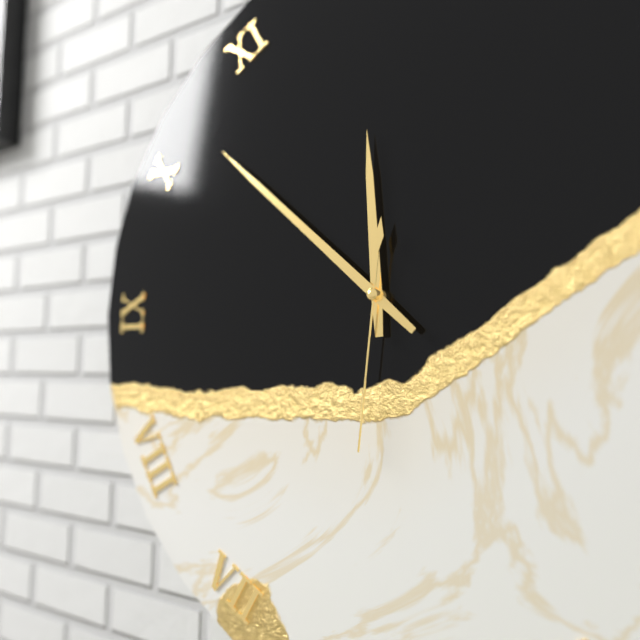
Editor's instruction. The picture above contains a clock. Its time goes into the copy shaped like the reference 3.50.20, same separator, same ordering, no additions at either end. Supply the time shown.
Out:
11.52.31
